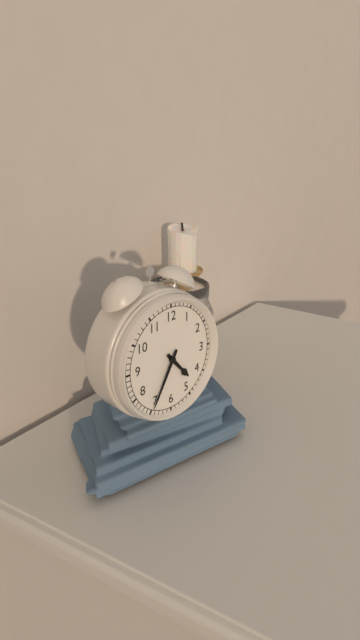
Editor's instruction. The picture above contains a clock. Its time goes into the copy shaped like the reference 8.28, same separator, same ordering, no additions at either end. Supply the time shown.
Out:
4.35
